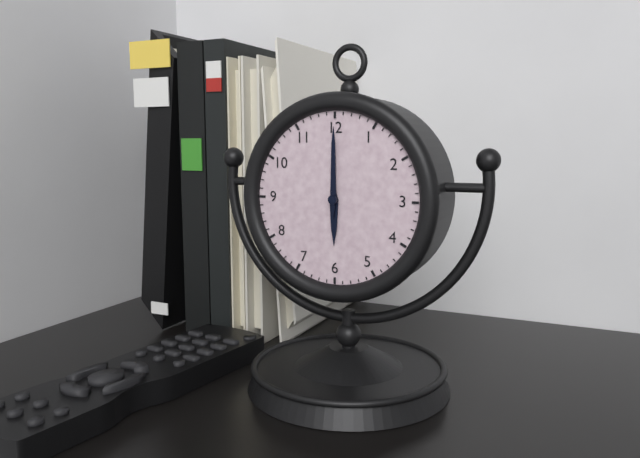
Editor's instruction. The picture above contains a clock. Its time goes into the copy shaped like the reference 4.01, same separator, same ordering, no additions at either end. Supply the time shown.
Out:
6.00
